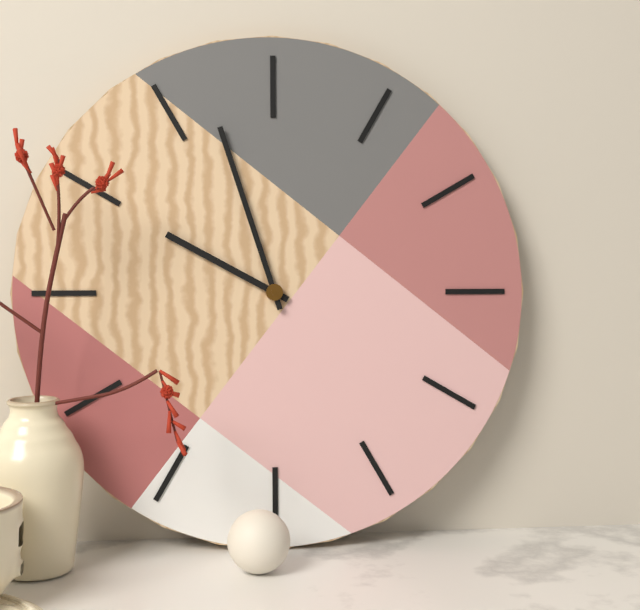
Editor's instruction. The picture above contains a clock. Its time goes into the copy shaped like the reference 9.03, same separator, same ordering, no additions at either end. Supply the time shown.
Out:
9.57
